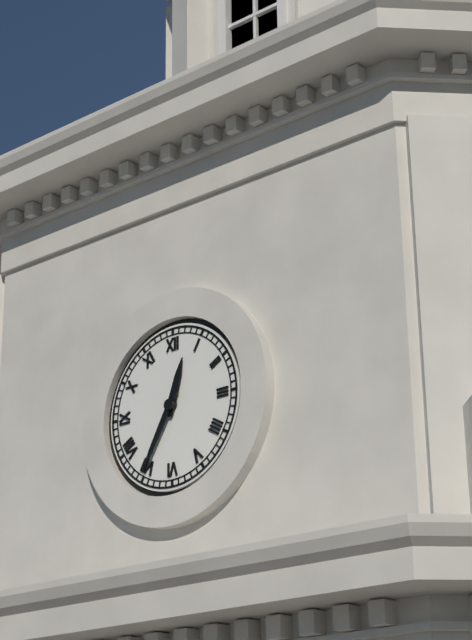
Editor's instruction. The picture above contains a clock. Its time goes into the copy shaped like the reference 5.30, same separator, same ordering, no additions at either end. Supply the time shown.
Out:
12.35
